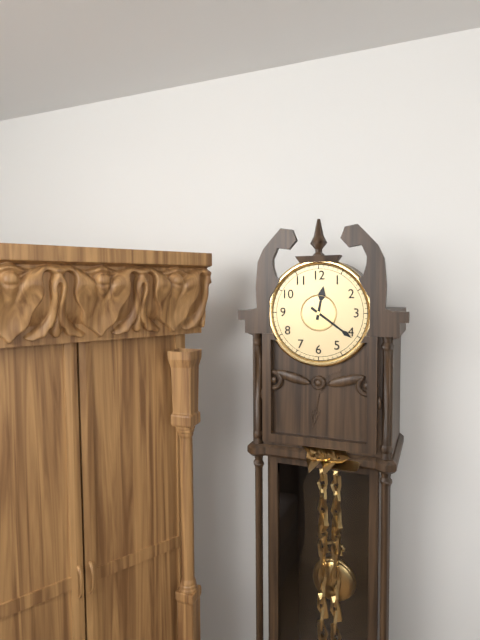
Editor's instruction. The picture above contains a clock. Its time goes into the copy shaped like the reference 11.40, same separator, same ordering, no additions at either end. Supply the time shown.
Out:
12.21
